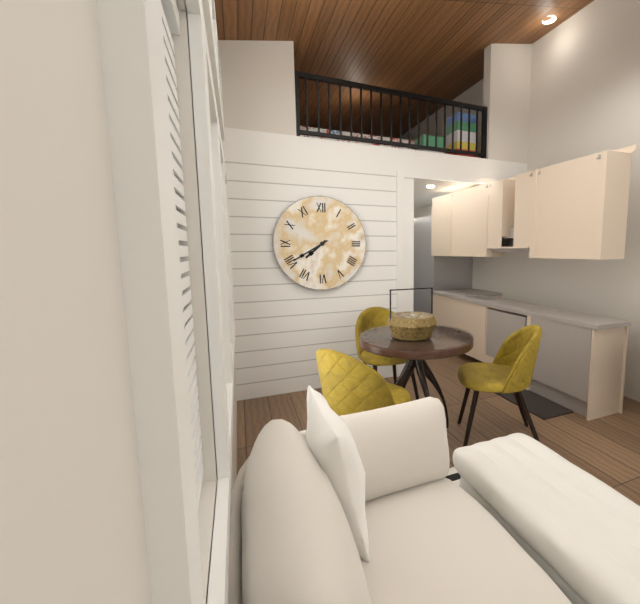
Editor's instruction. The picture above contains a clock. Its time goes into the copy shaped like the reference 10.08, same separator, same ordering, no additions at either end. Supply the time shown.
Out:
7.40
